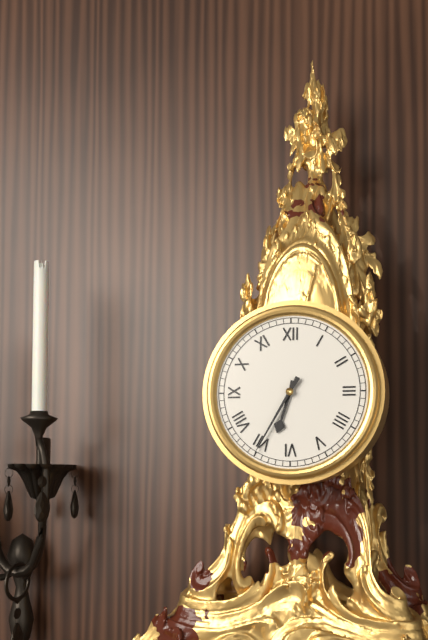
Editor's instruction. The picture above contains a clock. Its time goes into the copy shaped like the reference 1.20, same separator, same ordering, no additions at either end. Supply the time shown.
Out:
6.35
